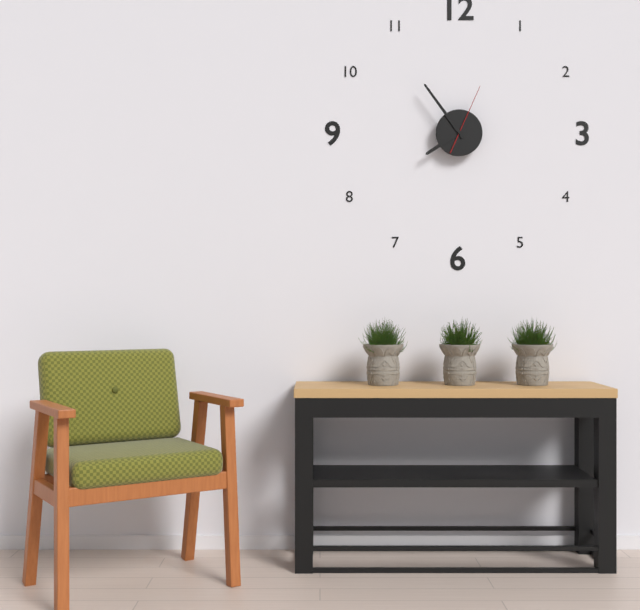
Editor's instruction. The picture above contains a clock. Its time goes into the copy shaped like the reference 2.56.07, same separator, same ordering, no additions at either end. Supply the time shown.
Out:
7.54.04
